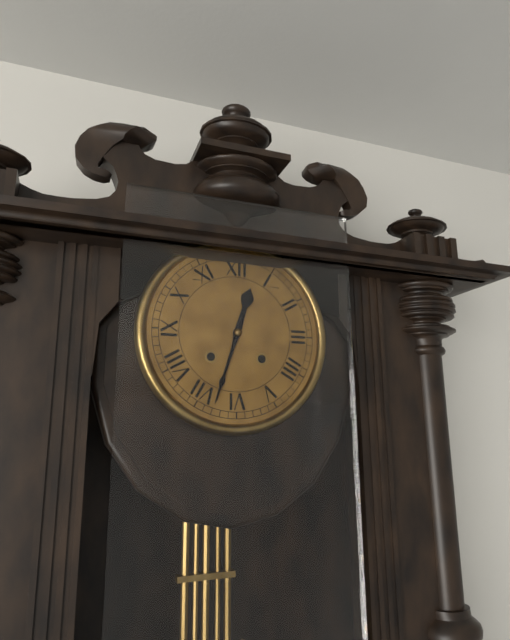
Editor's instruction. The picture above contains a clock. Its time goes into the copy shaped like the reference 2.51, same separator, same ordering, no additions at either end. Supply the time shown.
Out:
12.33
